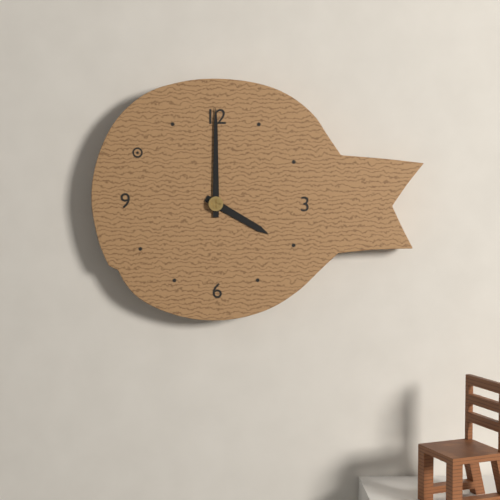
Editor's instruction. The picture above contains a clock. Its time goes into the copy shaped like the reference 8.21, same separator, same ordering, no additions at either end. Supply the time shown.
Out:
4.00
